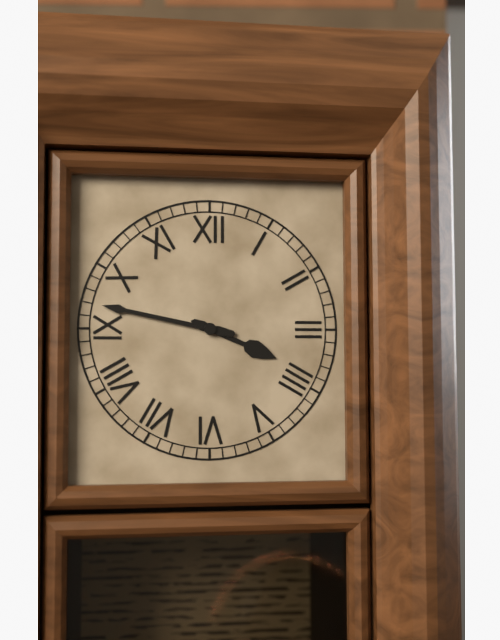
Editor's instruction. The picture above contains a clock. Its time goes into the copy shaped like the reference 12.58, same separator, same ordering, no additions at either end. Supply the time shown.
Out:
3.47
